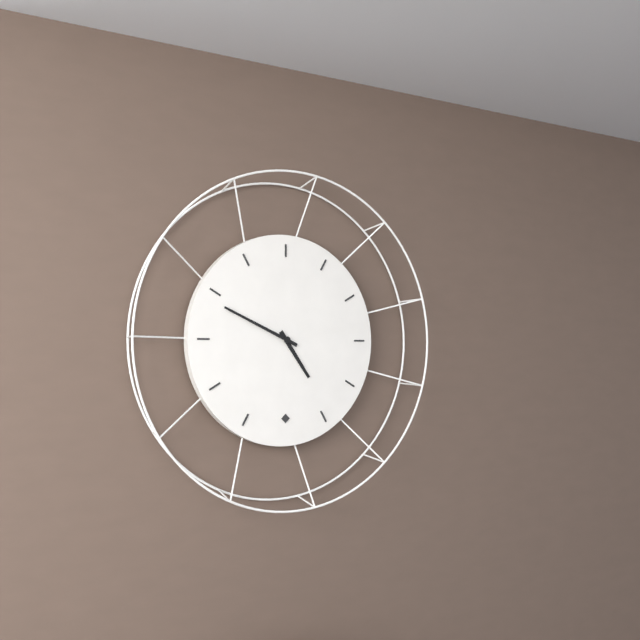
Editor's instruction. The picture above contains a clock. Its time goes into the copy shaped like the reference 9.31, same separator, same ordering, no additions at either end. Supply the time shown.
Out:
4.49
